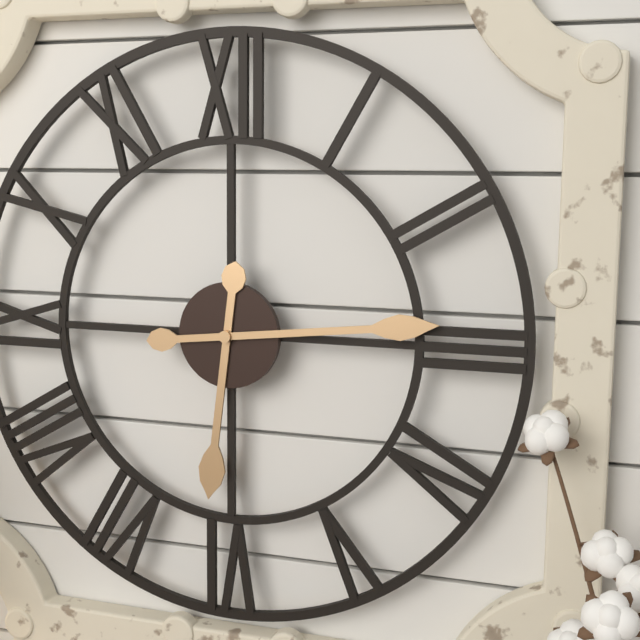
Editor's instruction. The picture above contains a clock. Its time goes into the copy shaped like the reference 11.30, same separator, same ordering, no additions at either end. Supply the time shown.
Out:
6.14
